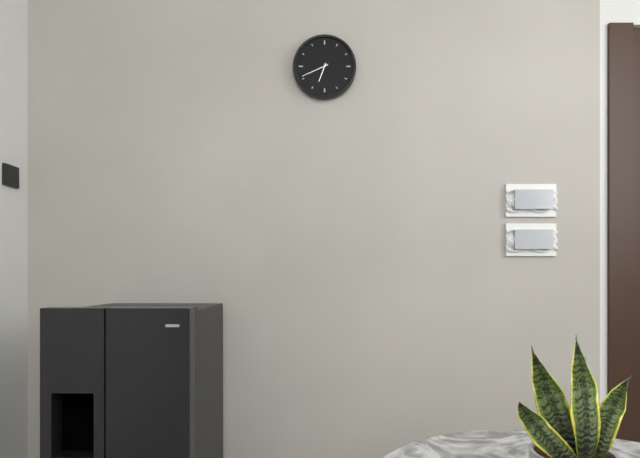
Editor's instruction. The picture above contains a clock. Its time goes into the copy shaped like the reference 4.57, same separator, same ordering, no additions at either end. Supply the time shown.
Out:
6.41
